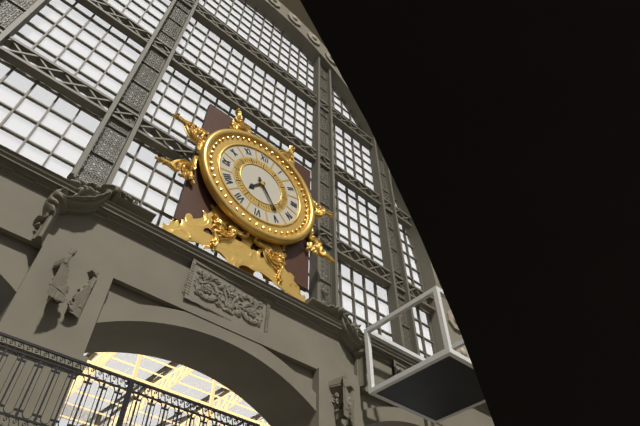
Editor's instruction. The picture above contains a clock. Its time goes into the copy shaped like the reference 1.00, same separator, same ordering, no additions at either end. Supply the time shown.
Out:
7.24
